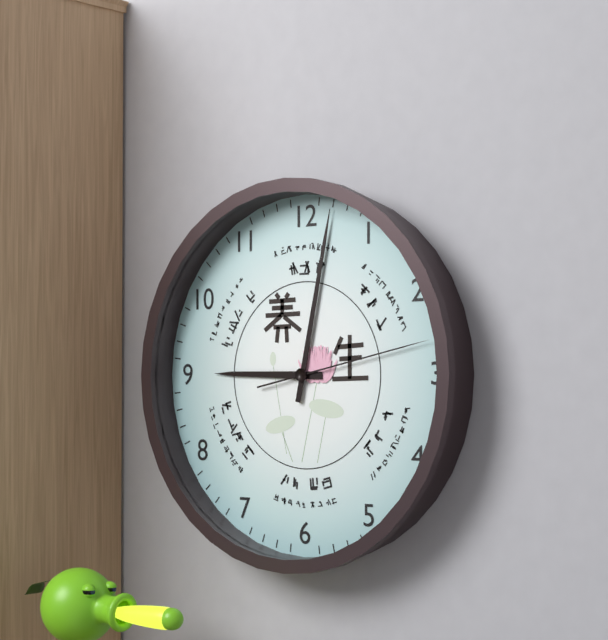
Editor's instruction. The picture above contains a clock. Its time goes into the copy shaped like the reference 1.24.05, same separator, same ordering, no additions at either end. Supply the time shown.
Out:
9.02.13
